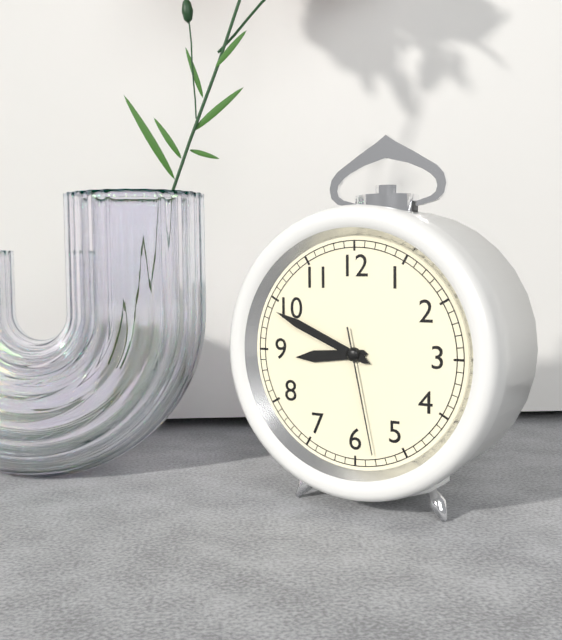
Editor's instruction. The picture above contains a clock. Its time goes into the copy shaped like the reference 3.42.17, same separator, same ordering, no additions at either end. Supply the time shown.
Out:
8.49.28
